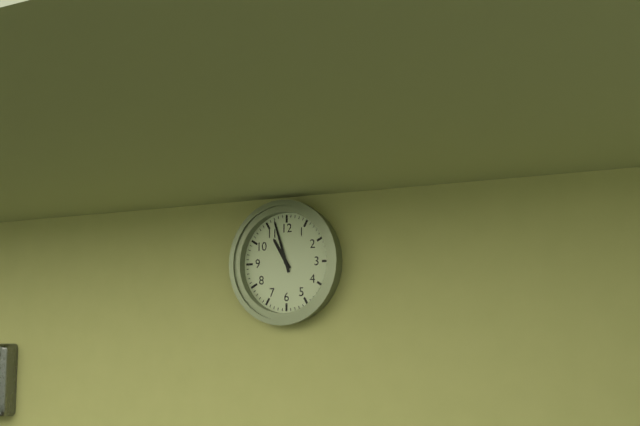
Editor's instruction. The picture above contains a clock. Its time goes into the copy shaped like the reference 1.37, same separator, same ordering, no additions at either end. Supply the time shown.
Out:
10.57
